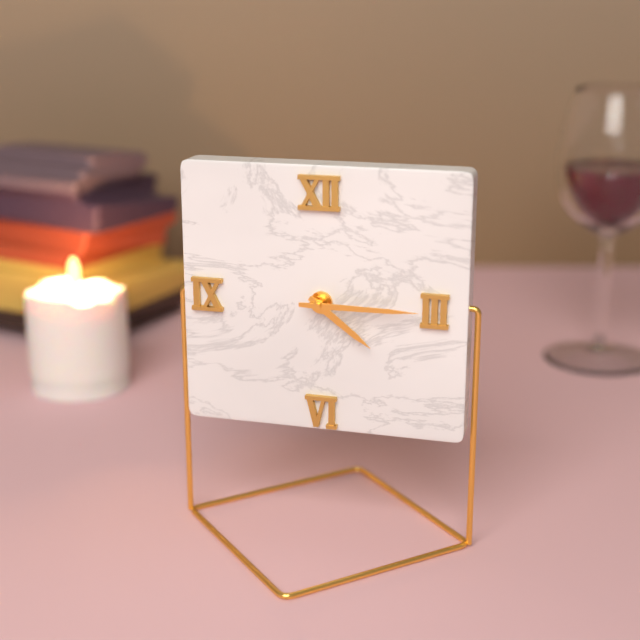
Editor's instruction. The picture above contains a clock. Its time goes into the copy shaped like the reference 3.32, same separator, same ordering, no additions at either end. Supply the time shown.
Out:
4.15
